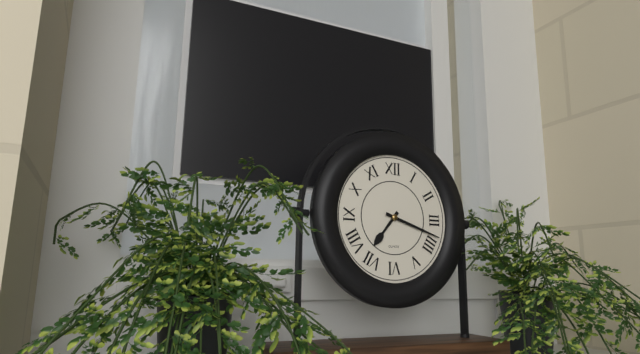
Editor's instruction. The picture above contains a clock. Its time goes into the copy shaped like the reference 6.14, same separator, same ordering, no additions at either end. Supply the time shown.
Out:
7.18
